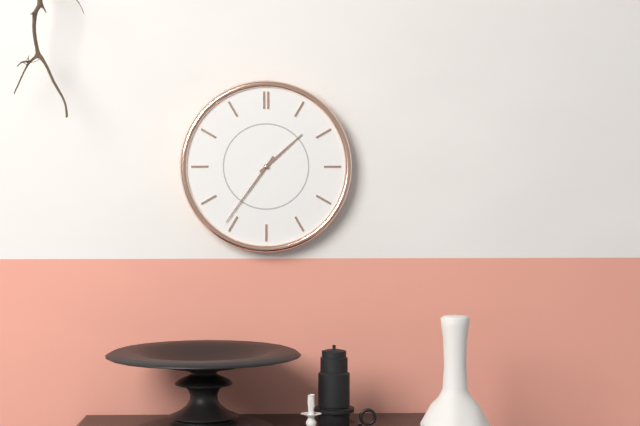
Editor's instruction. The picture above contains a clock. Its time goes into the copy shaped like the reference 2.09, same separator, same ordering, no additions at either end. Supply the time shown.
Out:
1.36
